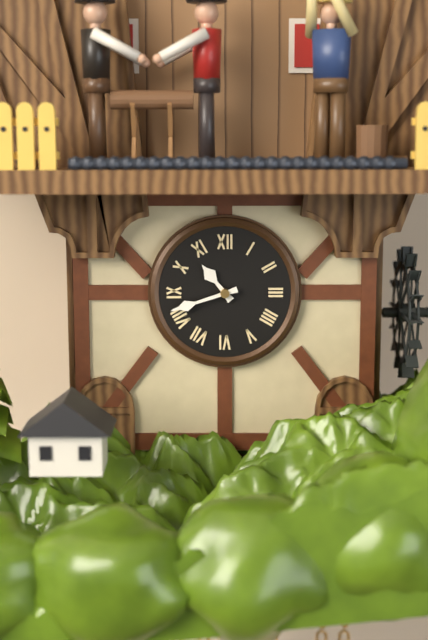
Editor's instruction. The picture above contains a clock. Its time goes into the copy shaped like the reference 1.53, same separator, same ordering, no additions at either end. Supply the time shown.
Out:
10.42
